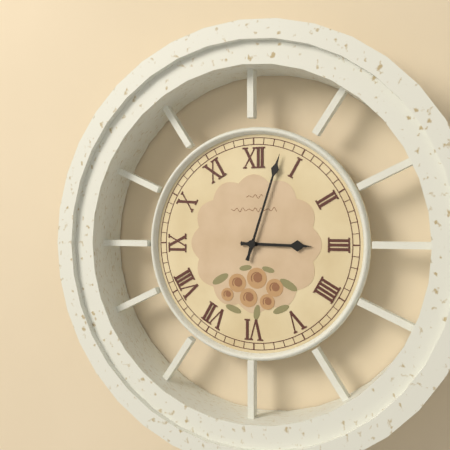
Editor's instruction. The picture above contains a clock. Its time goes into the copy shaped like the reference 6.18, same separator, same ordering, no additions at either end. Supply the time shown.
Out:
3.03
